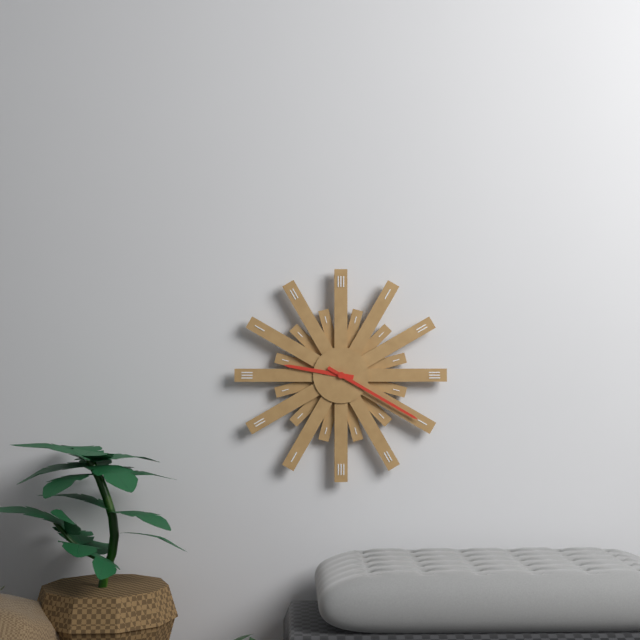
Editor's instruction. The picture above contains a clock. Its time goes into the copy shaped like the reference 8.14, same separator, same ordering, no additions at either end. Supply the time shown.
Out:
9.20
